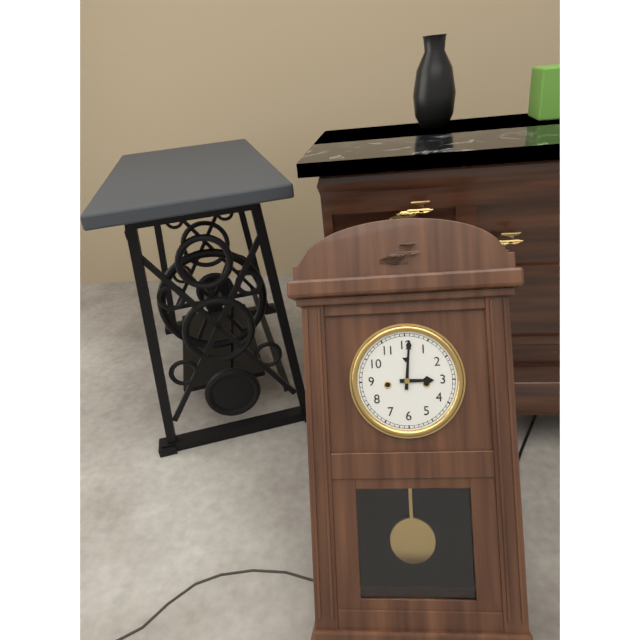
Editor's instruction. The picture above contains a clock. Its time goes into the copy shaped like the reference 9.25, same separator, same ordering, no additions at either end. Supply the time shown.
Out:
3.01
